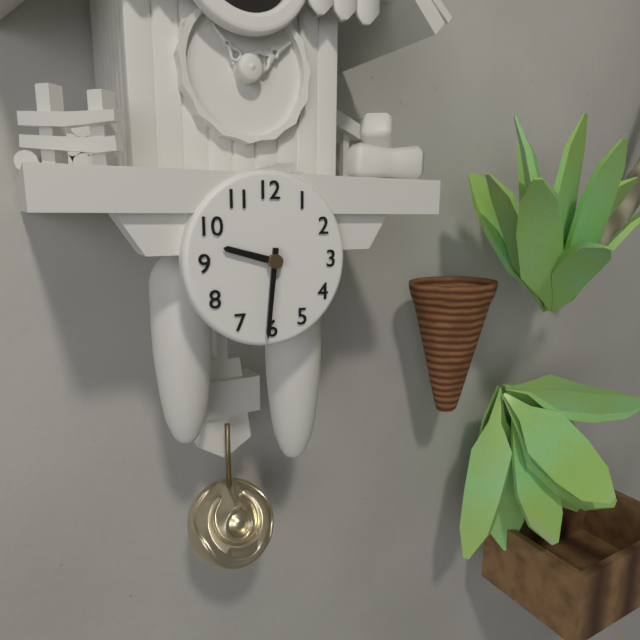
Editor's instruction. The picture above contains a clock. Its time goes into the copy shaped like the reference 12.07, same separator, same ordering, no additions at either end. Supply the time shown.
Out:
9.31
